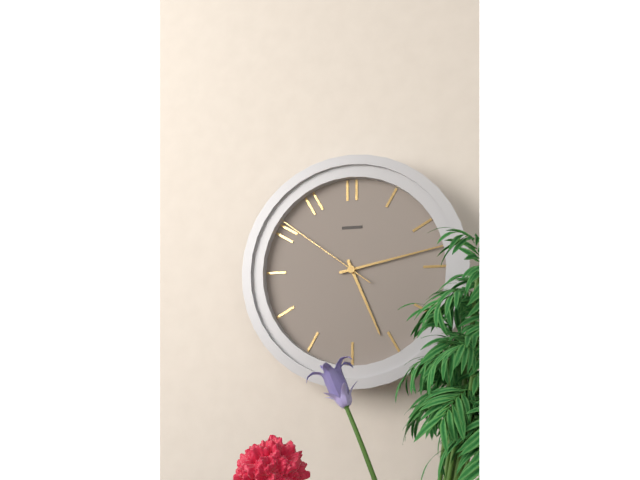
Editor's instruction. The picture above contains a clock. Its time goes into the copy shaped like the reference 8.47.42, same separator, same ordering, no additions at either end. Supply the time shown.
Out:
5.13.51
